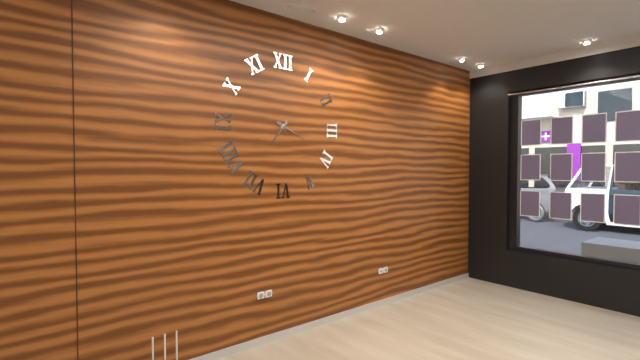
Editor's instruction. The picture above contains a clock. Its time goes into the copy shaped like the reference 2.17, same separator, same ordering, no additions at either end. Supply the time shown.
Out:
7.19
